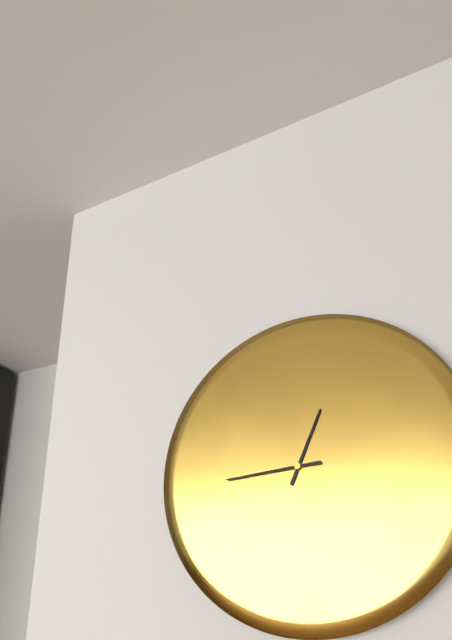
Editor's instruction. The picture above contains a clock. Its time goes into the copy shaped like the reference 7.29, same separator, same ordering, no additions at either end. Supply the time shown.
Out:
12.44
